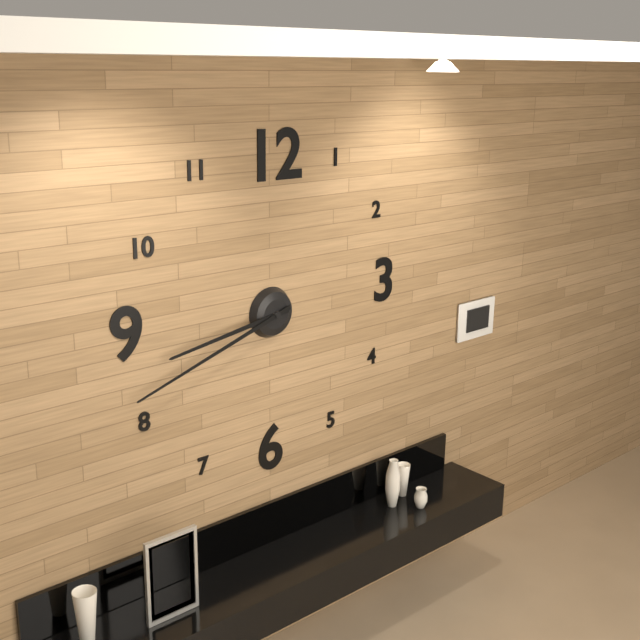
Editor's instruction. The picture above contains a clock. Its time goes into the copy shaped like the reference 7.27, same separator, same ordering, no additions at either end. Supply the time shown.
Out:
8.42
